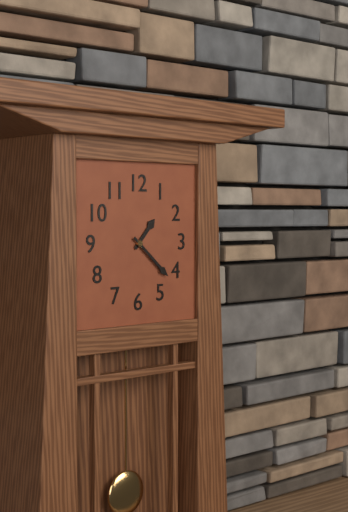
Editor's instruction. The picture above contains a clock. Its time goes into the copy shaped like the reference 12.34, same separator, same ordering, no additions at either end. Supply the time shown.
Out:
1.22
